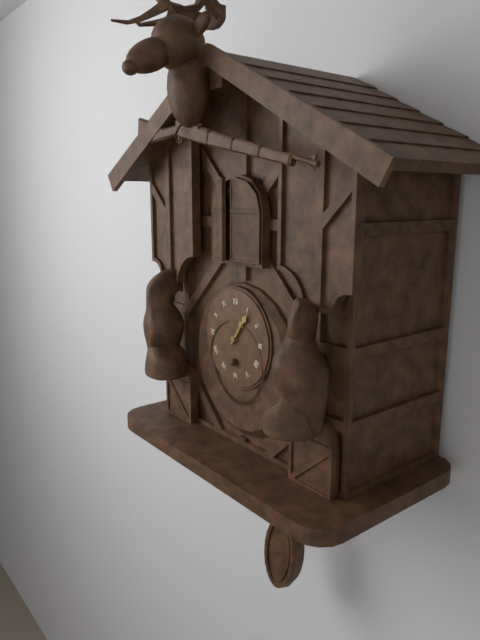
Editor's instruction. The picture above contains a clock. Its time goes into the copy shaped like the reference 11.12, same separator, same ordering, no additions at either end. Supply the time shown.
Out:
1.06
